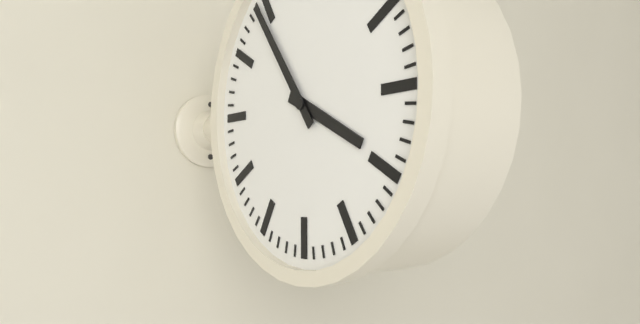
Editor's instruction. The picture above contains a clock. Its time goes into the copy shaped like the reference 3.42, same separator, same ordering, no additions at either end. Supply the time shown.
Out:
3.54
